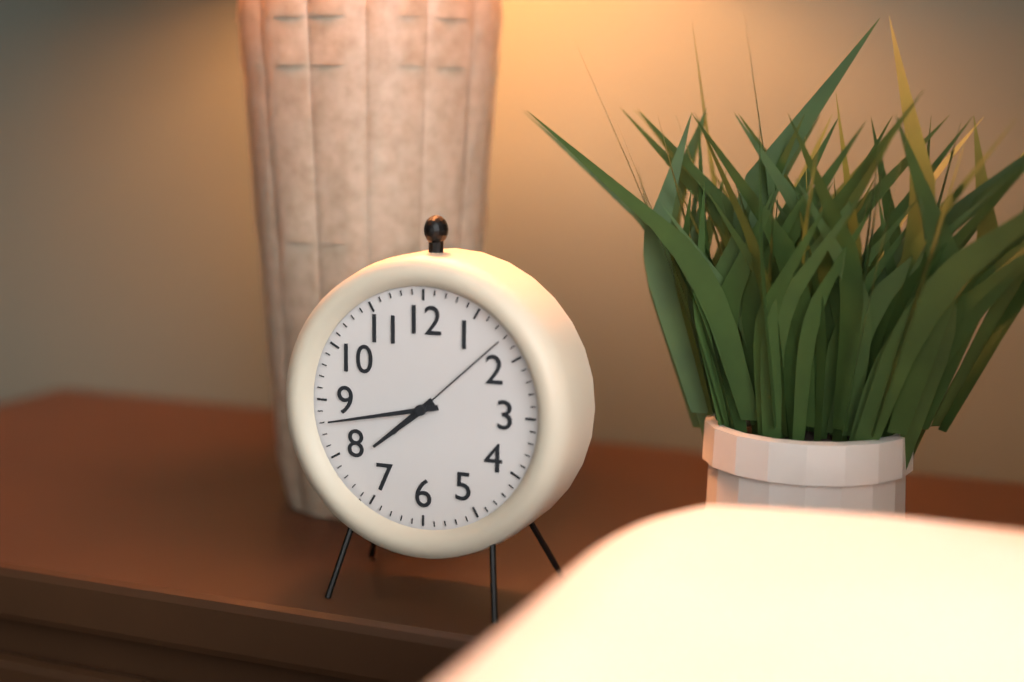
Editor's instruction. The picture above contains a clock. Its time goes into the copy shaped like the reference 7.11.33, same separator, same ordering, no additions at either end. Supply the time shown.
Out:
7.43.08
